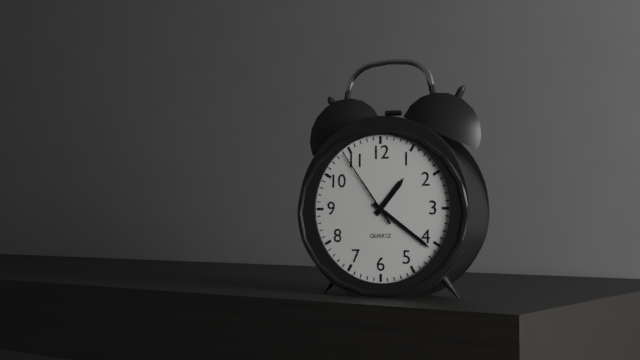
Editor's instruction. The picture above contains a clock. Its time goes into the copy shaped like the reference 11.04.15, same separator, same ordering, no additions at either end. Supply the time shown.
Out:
1.21.54
